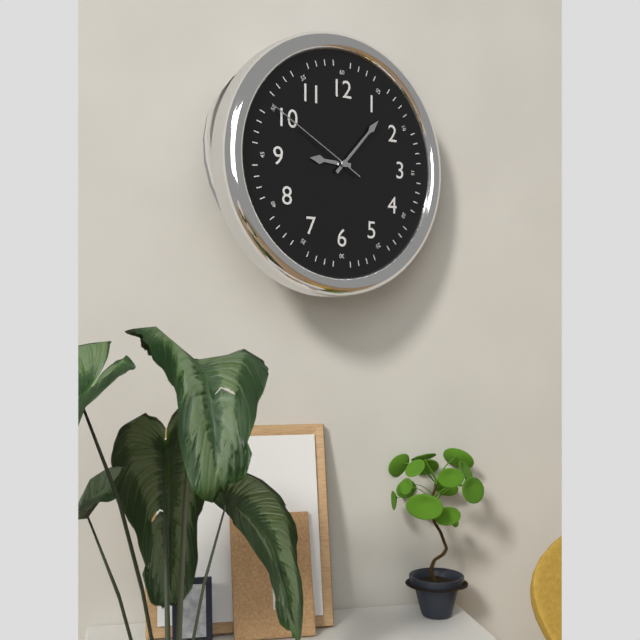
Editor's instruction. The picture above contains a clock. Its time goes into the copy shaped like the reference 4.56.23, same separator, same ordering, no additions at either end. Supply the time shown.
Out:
9.07.50
